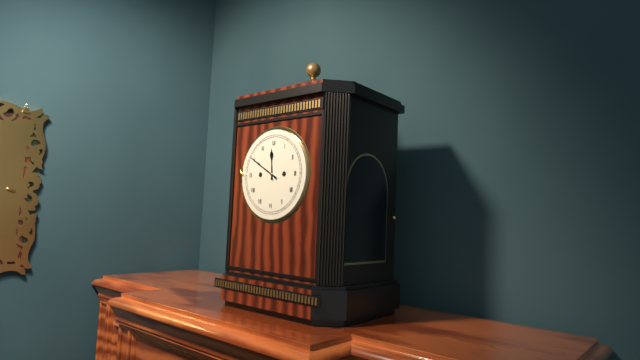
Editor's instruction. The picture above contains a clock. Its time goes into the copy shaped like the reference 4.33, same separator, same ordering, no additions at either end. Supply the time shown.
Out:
11.50
